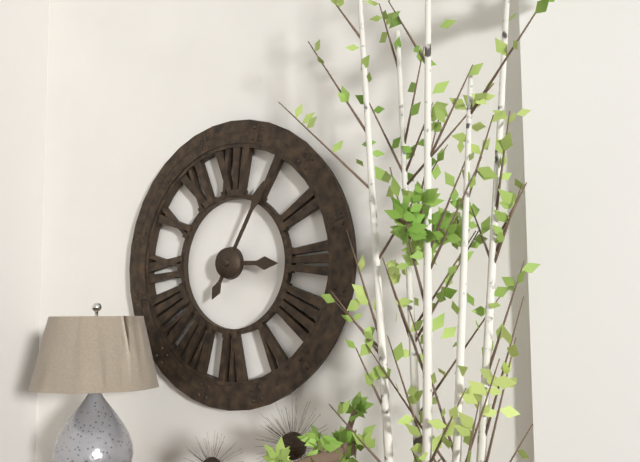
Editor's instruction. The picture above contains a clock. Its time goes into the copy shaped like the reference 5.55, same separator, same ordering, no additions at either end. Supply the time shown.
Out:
3.05
